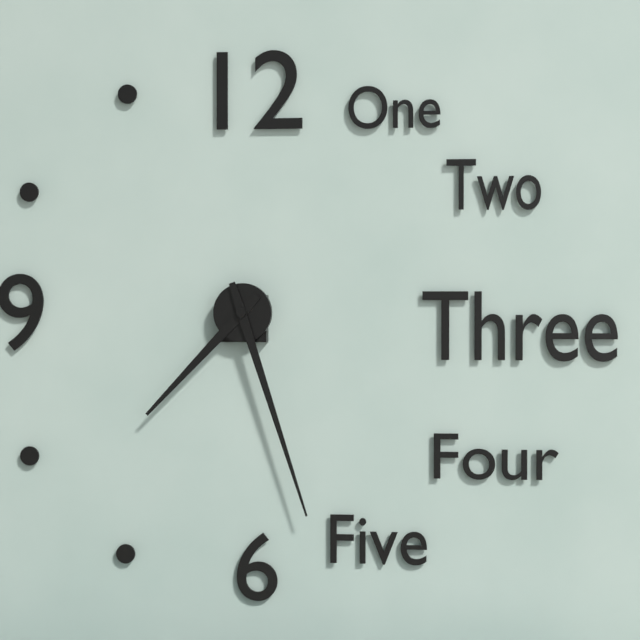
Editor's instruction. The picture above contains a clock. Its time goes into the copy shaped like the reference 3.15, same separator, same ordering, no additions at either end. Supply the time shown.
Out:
7.27
